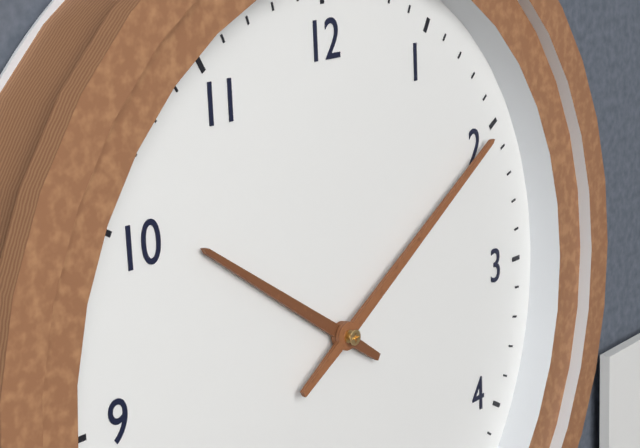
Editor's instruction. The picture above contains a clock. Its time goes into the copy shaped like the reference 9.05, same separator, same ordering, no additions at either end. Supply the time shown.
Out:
10.10
